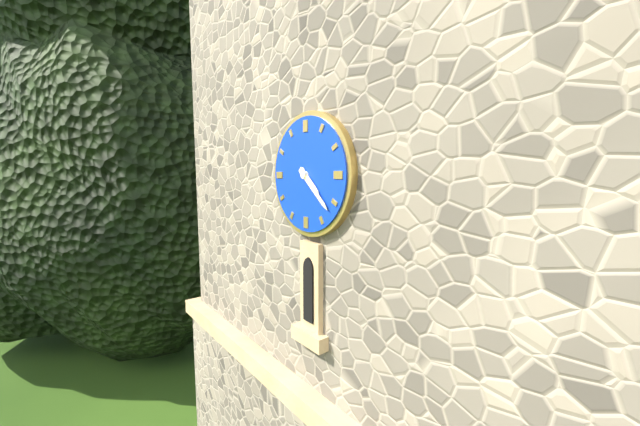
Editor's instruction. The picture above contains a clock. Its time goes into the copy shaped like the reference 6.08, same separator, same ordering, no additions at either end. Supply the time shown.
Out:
4.22
